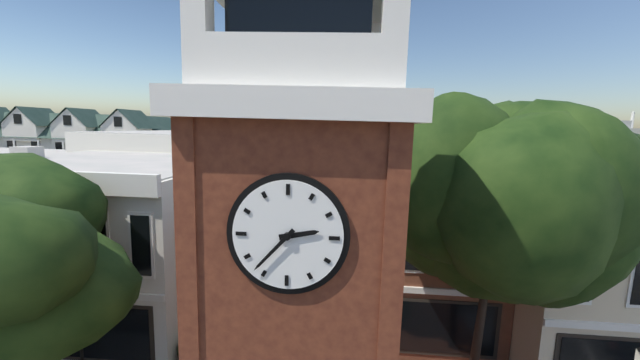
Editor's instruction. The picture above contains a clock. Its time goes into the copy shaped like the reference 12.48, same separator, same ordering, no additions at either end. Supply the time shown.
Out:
2.37
